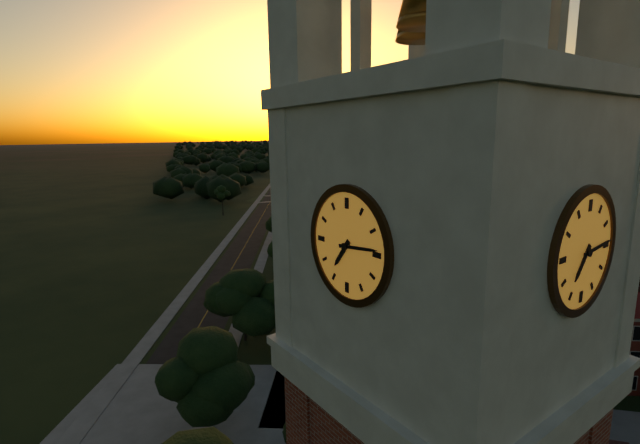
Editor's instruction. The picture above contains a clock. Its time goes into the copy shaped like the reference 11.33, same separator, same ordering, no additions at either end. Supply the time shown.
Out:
7.14
